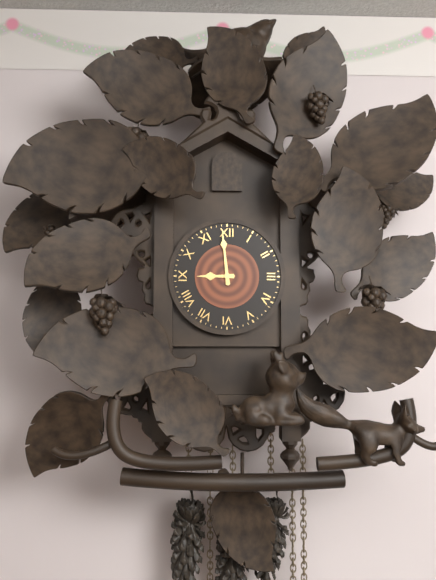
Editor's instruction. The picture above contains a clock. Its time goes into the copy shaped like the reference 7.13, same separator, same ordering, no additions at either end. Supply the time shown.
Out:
8.59
